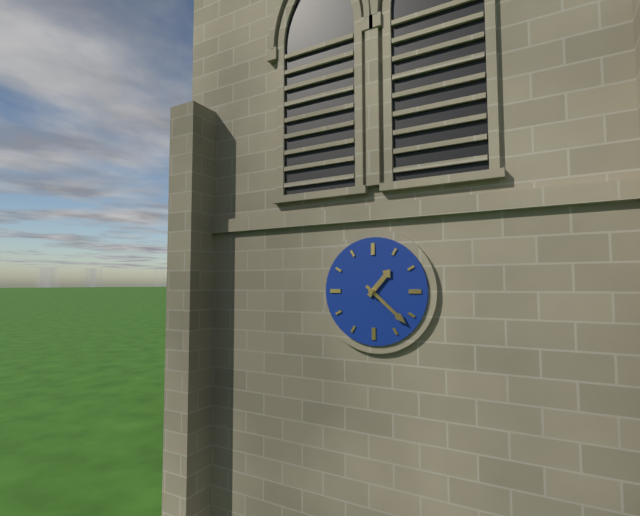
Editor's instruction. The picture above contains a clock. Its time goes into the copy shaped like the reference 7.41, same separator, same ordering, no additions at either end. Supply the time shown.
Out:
1.22
